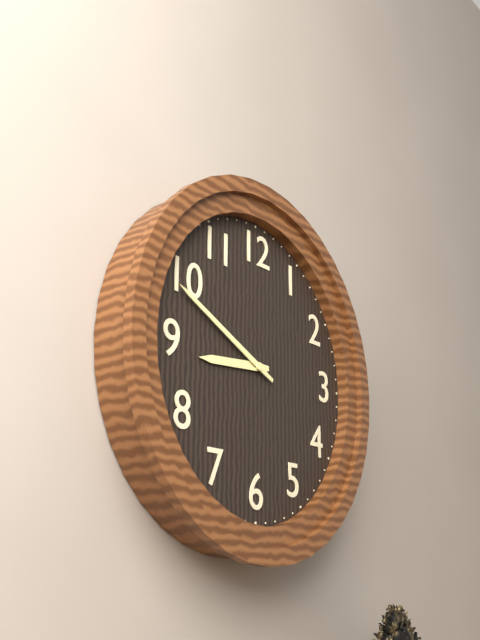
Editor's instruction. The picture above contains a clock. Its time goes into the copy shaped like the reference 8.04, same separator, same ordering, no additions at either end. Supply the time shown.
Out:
8.49
